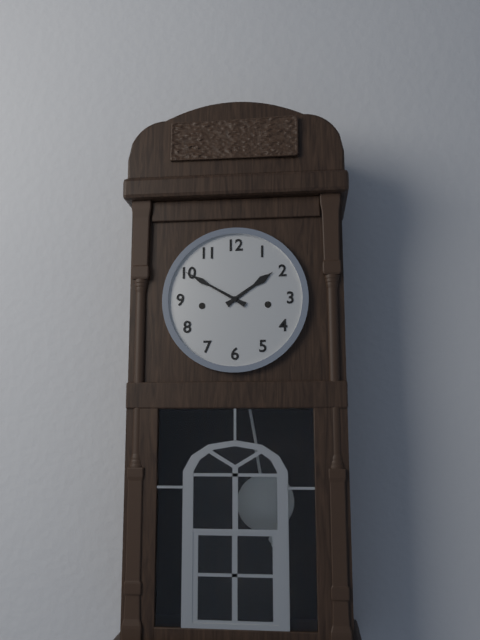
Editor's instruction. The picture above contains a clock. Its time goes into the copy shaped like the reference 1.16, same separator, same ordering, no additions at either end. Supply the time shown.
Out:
1.50
